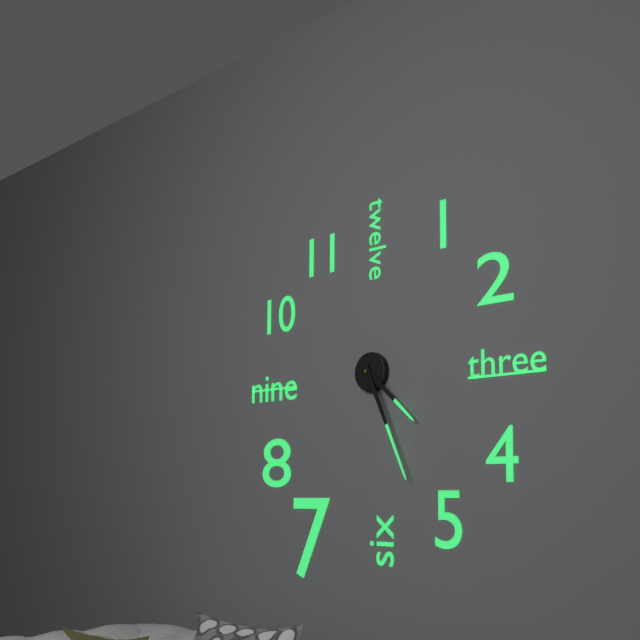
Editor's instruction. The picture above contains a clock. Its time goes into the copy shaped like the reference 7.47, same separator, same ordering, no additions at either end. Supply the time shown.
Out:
4.26
